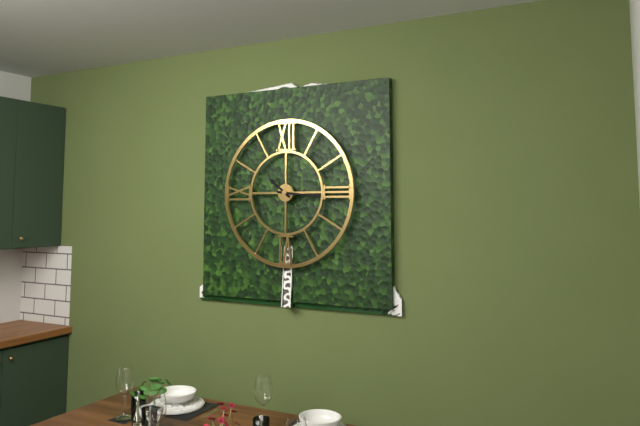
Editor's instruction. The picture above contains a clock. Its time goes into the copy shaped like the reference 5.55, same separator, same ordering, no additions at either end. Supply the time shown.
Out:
10.16
